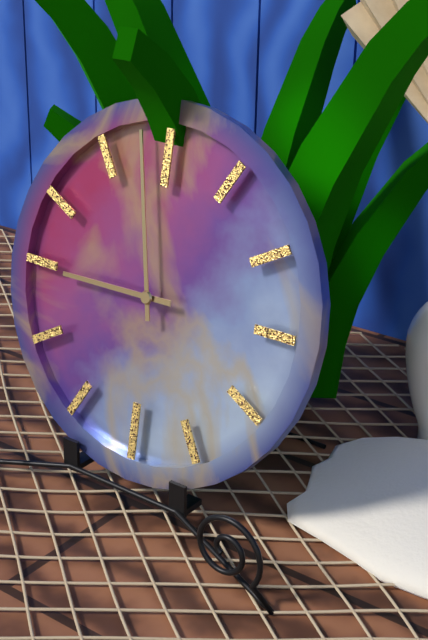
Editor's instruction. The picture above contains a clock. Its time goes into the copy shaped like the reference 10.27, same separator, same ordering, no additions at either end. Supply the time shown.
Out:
8.58
